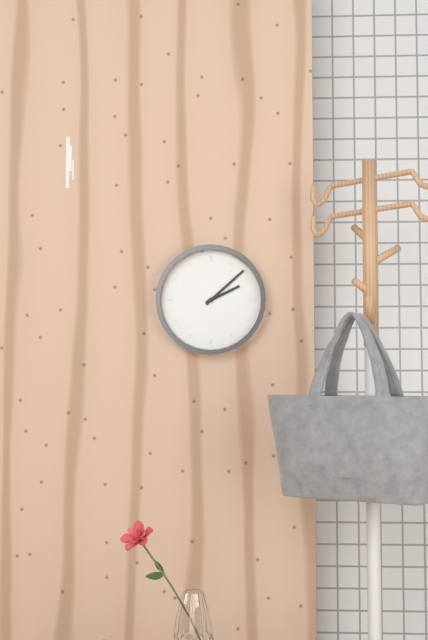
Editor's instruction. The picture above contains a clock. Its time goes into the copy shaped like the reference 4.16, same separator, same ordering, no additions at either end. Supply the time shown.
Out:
2.08
